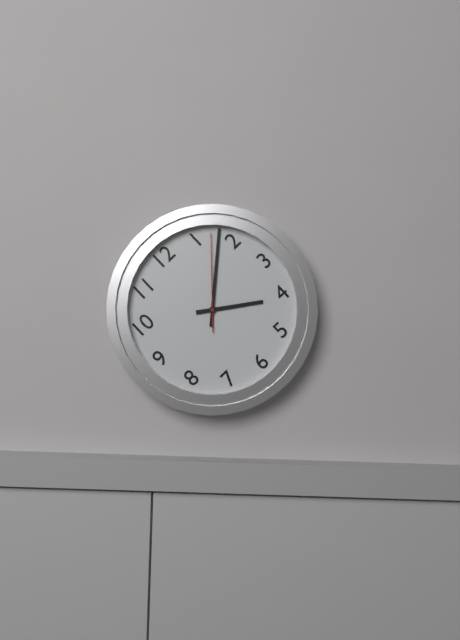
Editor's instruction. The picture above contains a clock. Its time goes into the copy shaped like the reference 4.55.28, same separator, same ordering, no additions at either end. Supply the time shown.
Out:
4.08.07
